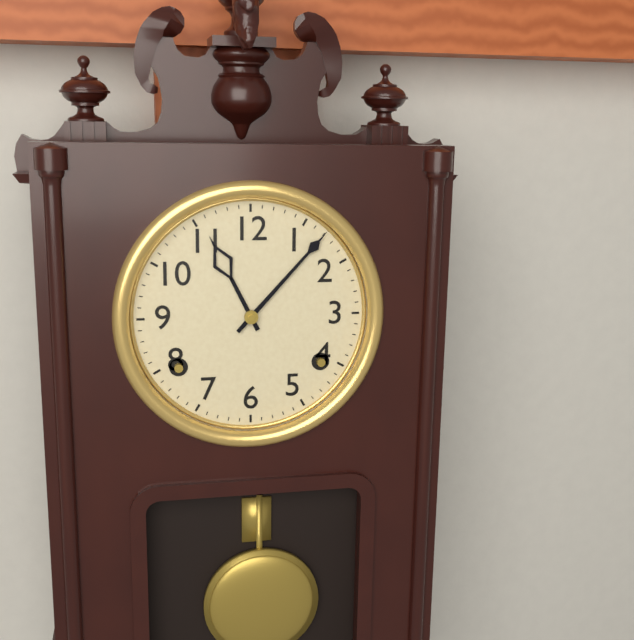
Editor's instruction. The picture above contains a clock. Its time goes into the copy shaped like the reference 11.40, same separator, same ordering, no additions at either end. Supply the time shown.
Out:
11.07
